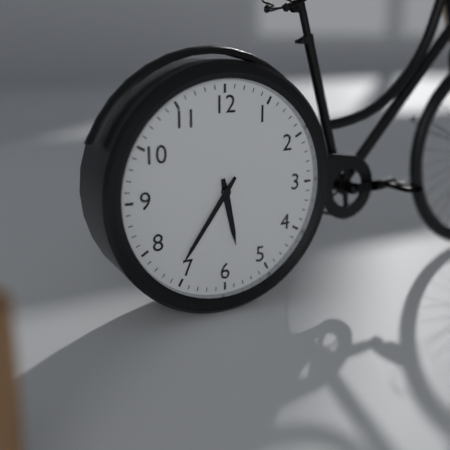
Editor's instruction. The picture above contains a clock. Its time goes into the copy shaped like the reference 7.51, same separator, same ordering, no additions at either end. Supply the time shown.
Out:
5.36
